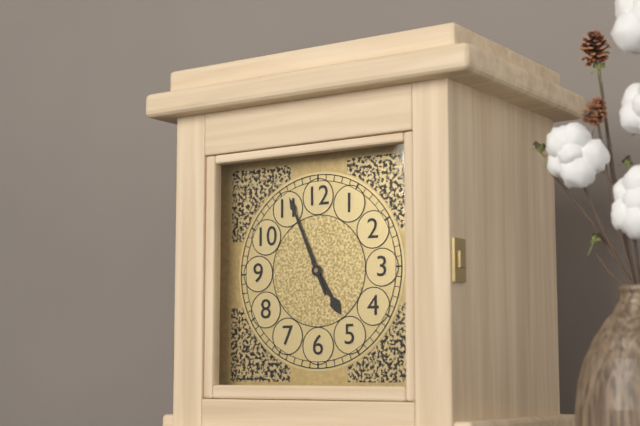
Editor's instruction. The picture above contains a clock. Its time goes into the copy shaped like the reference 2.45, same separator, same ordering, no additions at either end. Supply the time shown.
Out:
4.56
